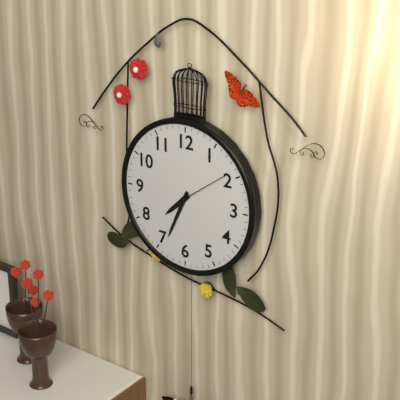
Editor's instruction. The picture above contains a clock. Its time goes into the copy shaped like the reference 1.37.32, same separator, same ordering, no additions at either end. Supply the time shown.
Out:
7.34.09
